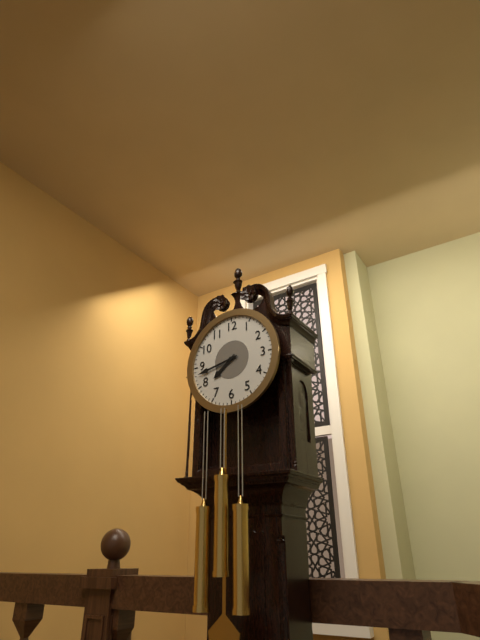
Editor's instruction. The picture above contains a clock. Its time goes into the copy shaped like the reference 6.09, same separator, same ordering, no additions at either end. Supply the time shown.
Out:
7.43
